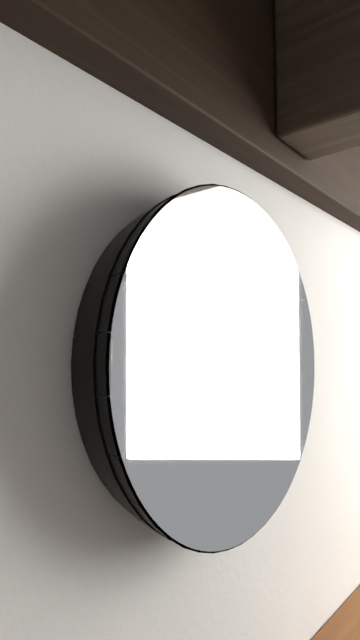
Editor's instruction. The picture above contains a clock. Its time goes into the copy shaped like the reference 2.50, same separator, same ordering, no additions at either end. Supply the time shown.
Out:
6.56
